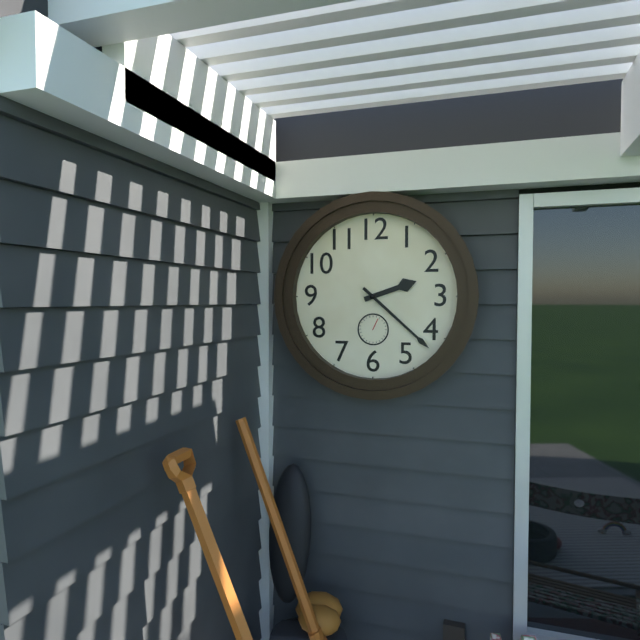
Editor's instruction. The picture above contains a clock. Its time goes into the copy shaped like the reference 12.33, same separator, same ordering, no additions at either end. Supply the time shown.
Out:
2.22
